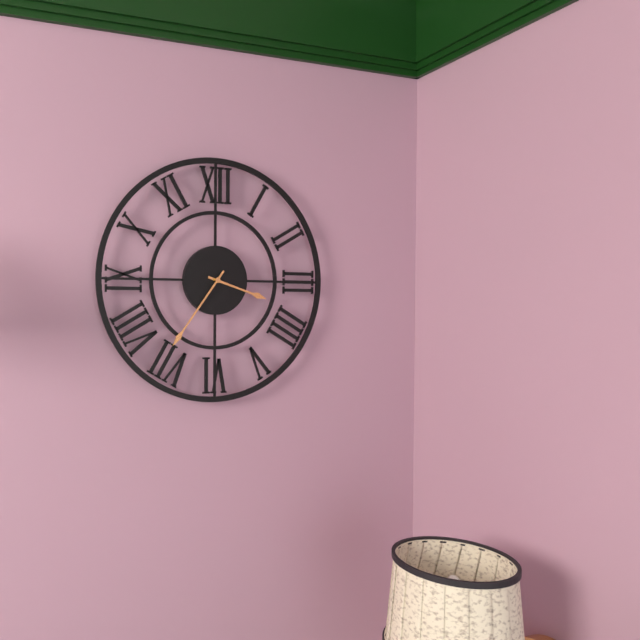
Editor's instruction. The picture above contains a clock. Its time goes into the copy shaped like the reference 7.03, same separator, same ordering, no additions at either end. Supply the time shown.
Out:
3.36
